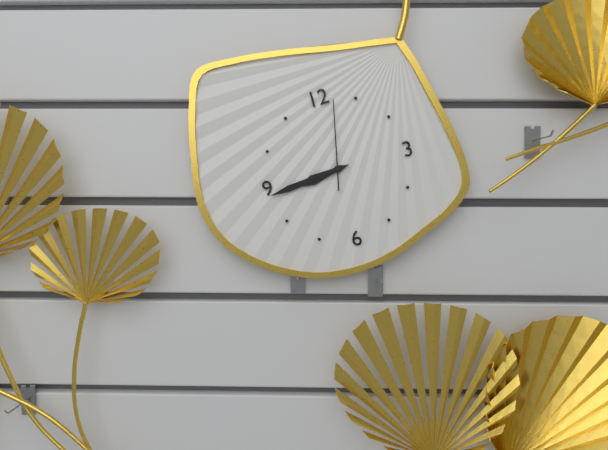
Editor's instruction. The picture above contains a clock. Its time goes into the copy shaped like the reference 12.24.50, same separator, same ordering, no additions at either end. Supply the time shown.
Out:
8.44.02
